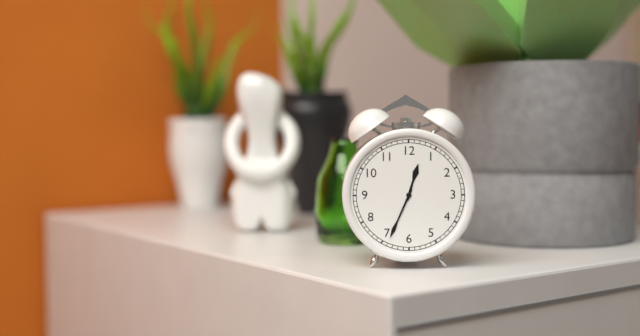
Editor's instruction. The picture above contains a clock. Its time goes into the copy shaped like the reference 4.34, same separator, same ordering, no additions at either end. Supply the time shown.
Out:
12.34
